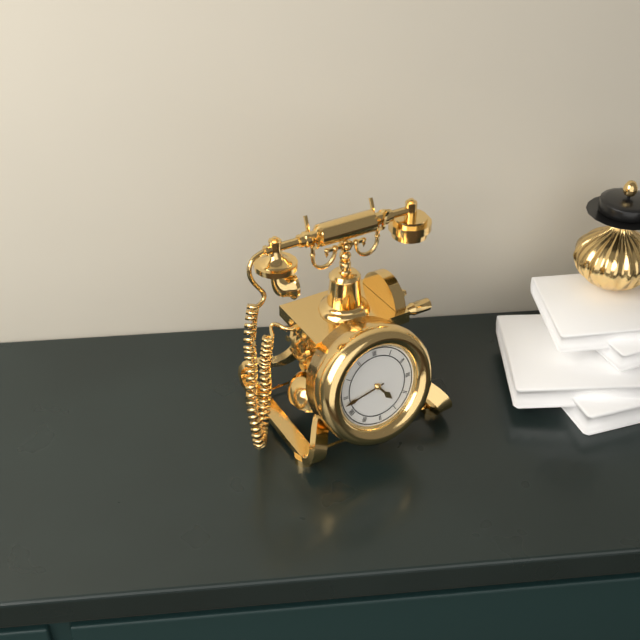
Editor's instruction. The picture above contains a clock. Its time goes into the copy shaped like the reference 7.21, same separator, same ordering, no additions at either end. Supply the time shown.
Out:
4.43
